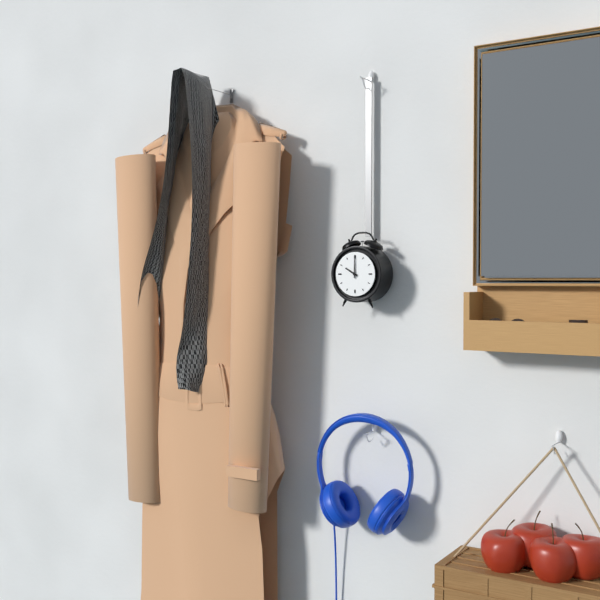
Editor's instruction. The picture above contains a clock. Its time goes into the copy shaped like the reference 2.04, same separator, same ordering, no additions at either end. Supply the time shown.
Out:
10.00
